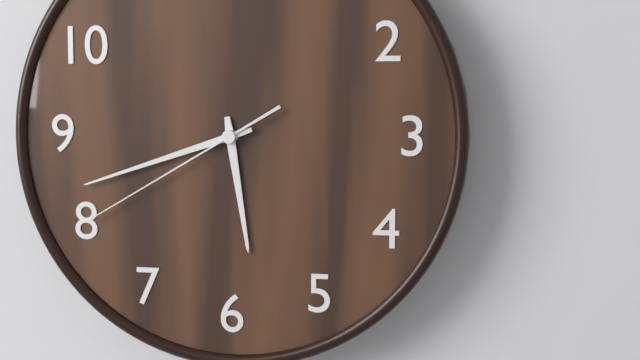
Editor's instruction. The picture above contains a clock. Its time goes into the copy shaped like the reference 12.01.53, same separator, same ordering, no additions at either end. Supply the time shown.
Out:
5.42.40
